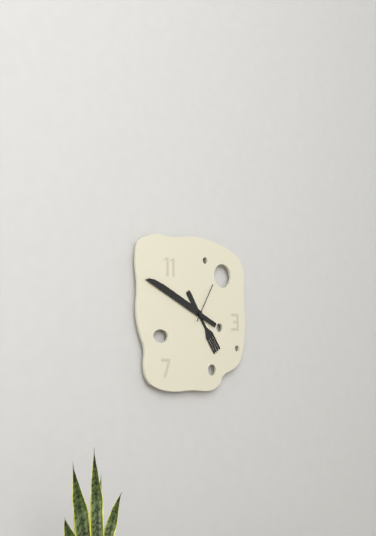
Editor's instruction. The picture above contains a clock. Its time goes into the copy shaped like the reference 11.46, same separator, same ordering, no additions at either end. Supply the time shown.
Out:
4.49
